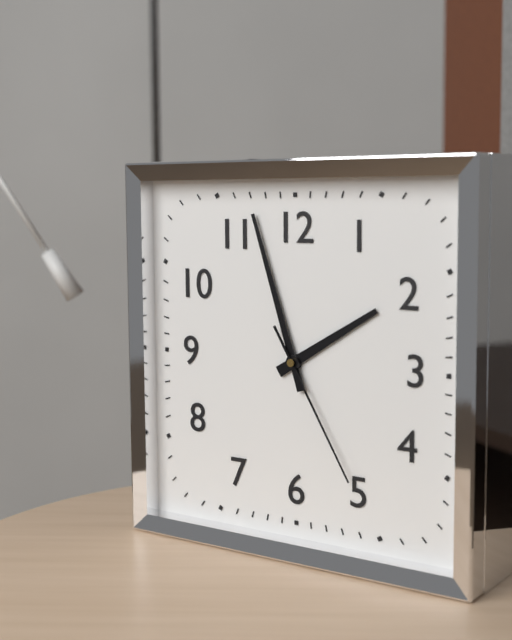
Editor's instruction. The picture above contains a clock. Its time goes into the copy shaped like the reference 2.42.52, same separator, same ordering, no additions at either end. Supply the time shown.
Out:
1.57.25
